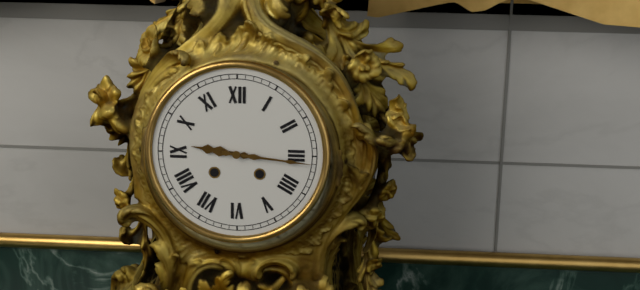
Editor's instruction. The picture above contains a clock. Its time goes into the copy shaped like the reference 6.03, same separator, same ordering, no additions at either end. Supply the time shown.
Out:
9.16
